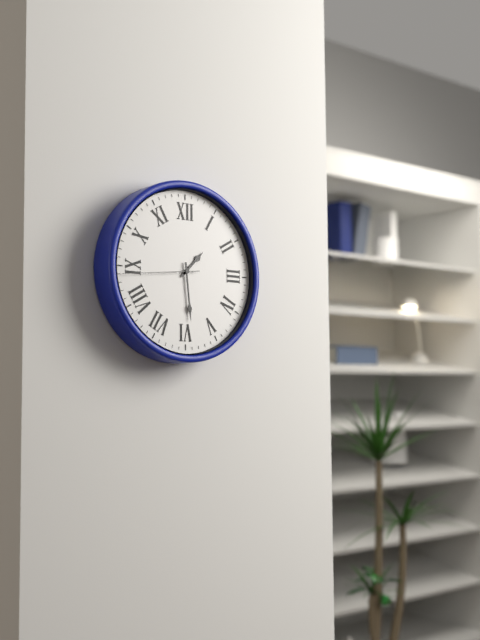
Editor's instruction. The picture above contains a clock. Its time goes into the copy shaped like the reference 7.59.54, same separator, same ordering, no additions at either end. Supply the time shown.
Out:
1.29.44
